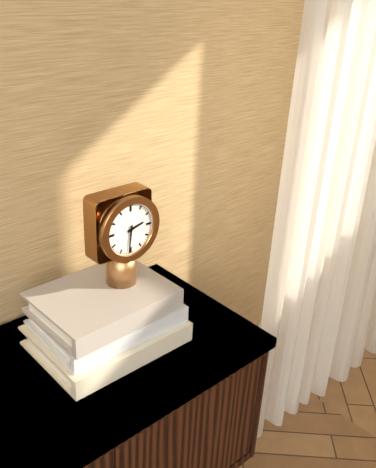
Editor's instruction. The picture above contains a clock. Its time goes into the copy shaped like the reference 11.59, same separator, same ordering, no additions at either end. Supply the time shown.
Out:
2.31
